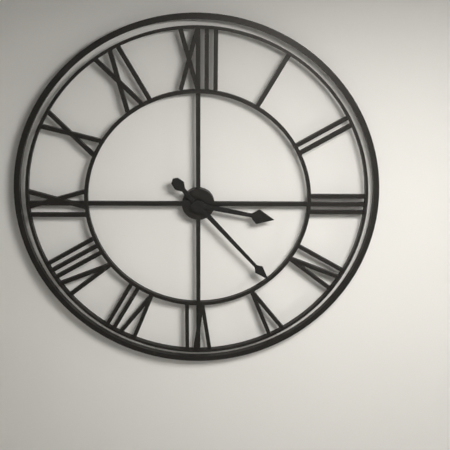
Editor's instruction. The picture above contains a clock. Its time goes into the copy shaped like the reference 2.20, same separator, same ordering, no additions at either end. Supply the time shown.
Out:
3.23
